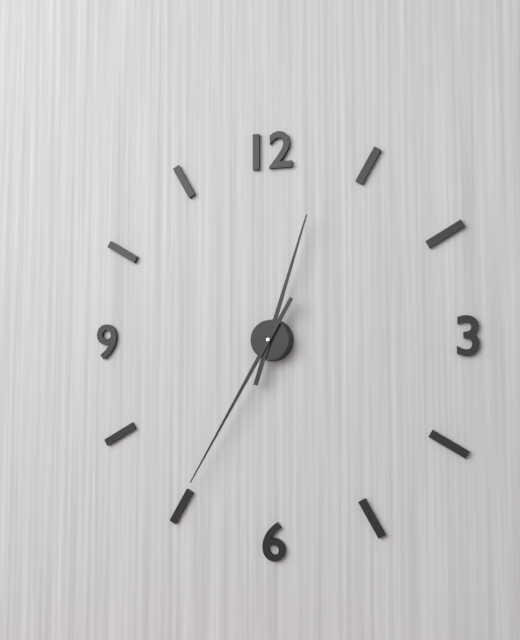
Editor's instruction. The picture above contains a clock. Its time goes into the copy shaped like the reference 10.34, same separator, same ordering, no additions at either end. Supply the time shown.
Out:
12.35
